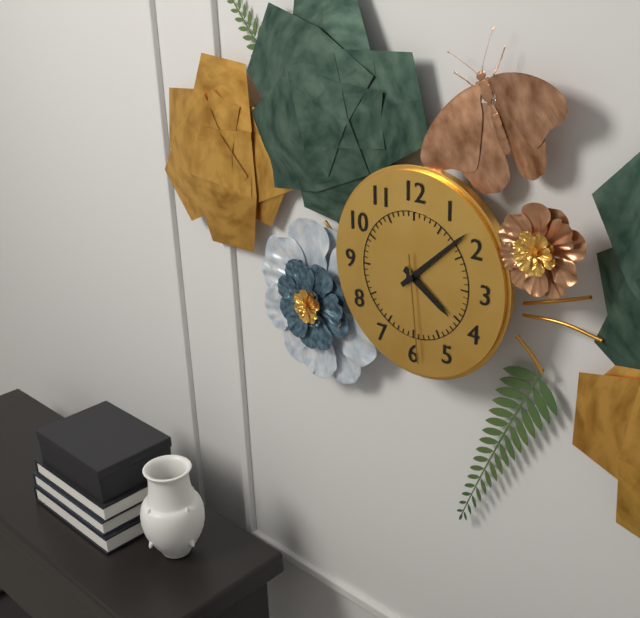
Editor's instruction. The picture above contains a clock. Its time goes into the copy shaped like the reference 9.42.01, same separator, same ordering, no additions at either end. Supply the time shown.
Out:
4.08.29
